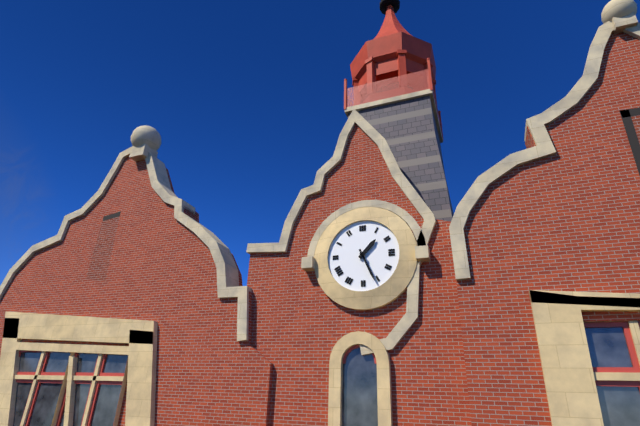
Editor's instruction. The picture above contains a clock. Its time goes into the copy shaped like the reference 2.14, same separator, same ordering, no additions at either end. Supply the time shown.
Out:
1.26
